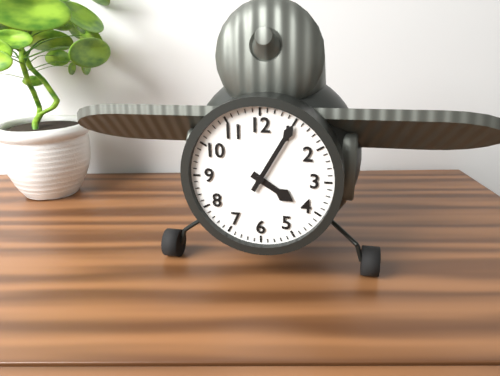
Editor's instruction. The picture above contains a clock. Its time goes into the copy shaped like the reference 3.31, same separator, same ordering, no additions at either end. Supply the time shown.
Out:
4.05
